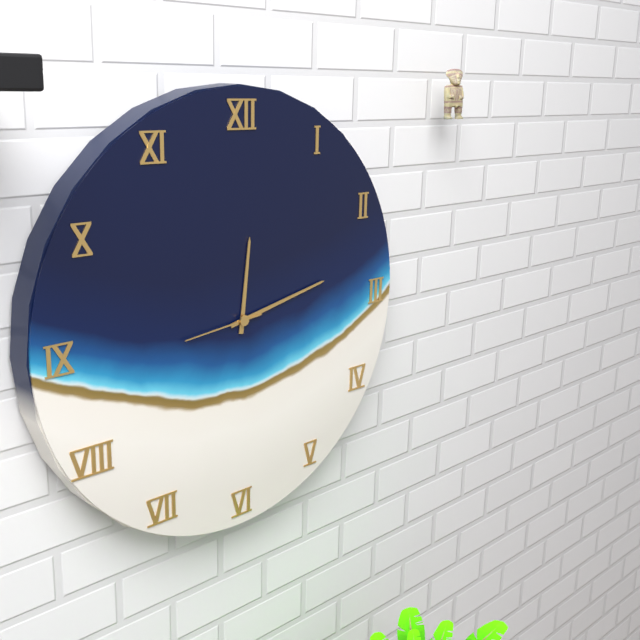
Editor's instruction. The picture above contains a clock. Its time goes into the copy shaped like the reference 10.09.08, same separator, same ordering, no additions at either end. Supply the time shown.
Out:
12.13.44
